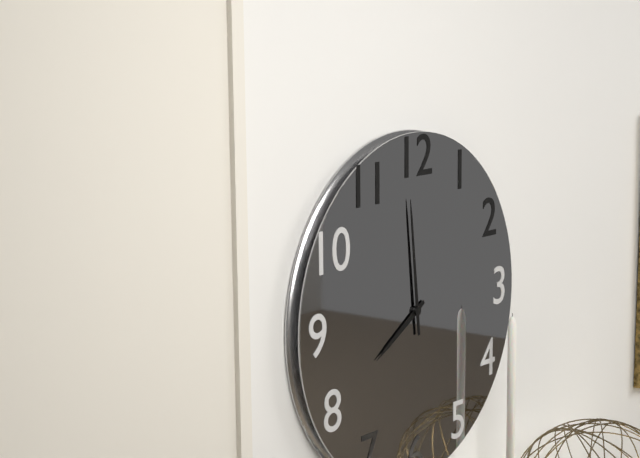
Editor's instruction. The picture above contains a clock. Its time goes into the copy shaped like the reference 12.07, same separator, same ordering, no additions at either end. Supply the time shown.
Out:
7.59
